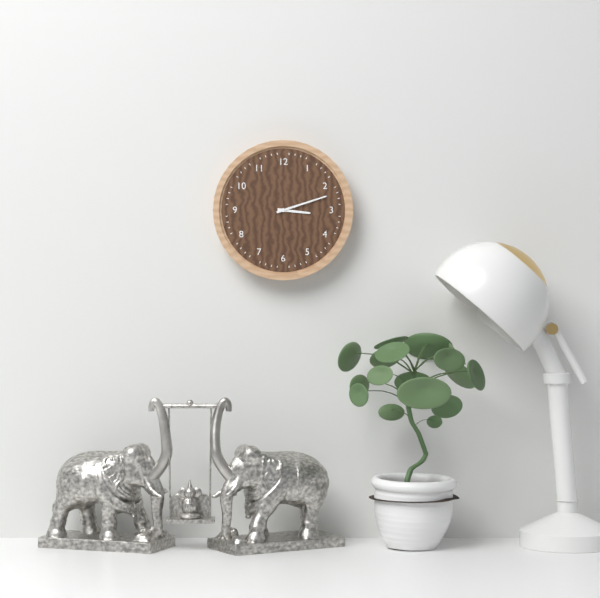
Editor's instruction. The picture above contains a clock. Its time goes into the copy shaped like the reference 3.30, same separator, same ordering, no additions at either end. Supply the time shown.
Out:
3.12
